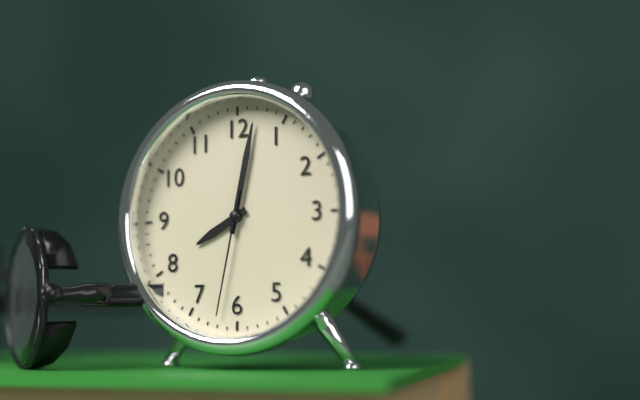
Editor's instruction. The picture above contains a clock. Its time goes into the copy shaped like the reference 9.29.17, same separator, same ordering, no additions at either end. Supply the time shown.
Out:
8.02.32
